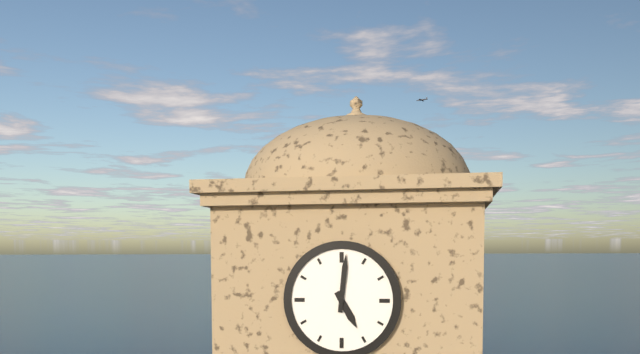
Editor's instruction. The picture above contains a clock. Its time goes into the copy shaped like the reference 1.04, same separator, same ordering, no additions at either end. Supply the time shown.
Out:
5.01
